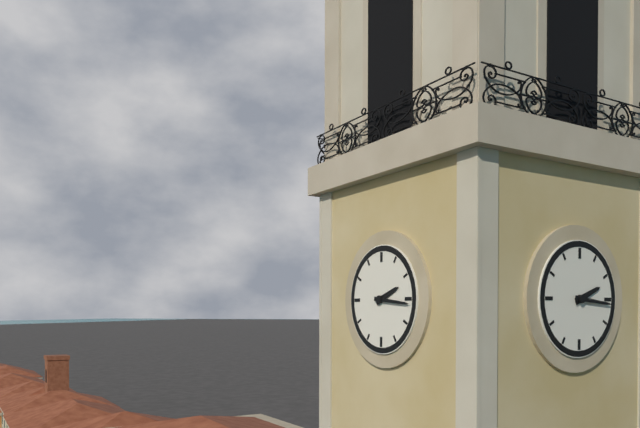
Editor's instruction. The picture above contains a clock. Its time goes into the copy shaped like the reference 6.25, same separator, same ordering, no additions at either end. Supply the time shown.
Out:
2.16
